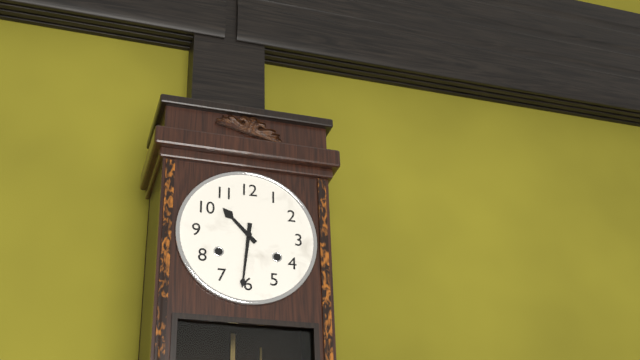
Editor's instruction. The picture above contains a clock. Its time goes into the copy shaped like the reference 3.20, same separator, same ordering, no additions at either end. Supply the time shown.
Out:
10.31
